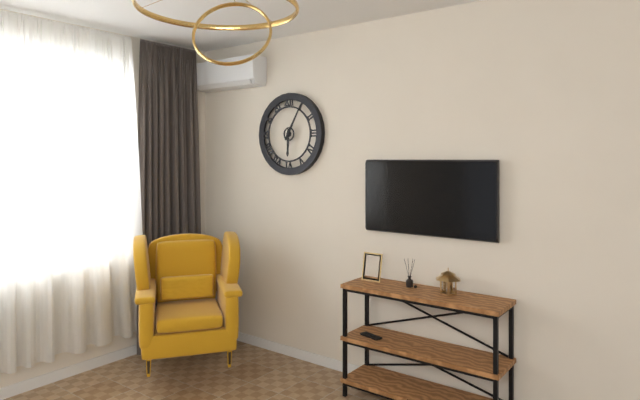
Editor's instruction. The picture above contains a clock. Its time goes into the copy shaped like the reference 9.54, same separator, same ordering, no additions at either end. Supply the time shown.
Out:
6.05
